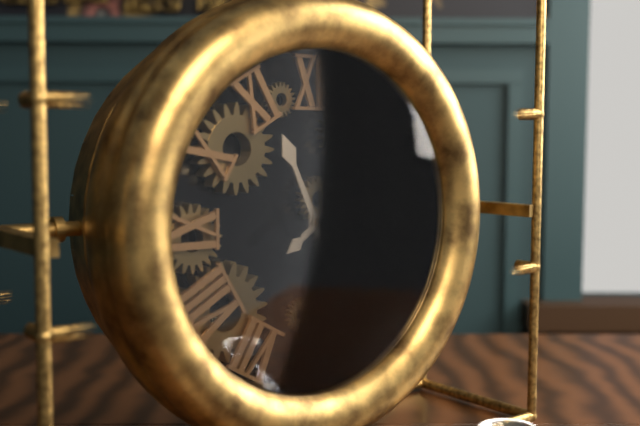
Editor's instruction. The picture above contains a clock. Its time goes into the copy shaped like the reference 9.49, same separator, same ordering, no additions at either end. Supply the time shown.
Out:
11.09
